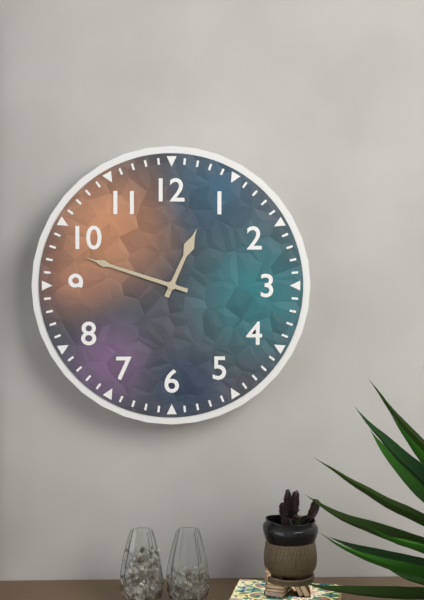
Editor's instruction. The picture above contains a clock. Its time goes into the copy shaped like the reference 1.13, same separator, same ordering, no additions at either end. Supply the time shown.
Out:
12.48
